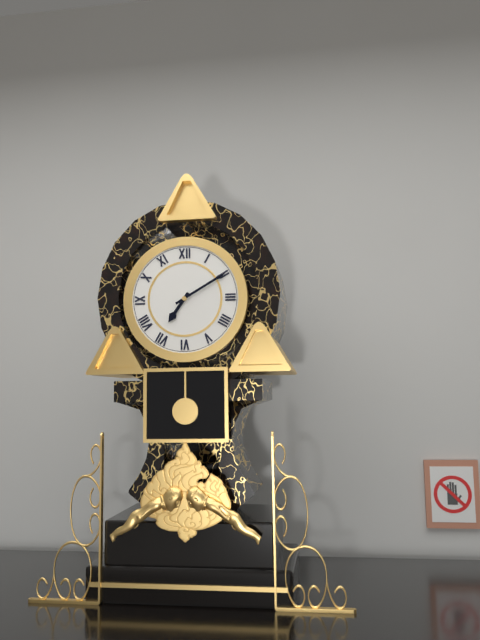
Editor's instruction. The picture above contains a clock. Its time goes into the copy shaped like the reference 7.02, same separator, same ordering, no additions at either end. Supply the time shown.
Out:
7.10
